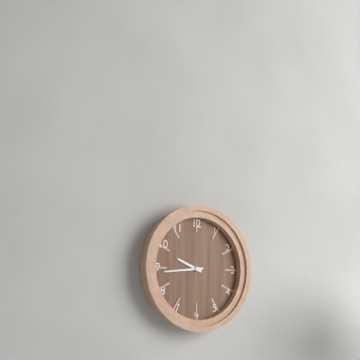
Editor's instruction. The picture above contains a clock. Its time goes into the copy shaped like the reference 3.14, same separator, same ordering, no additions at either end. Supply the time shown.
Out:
9.44
